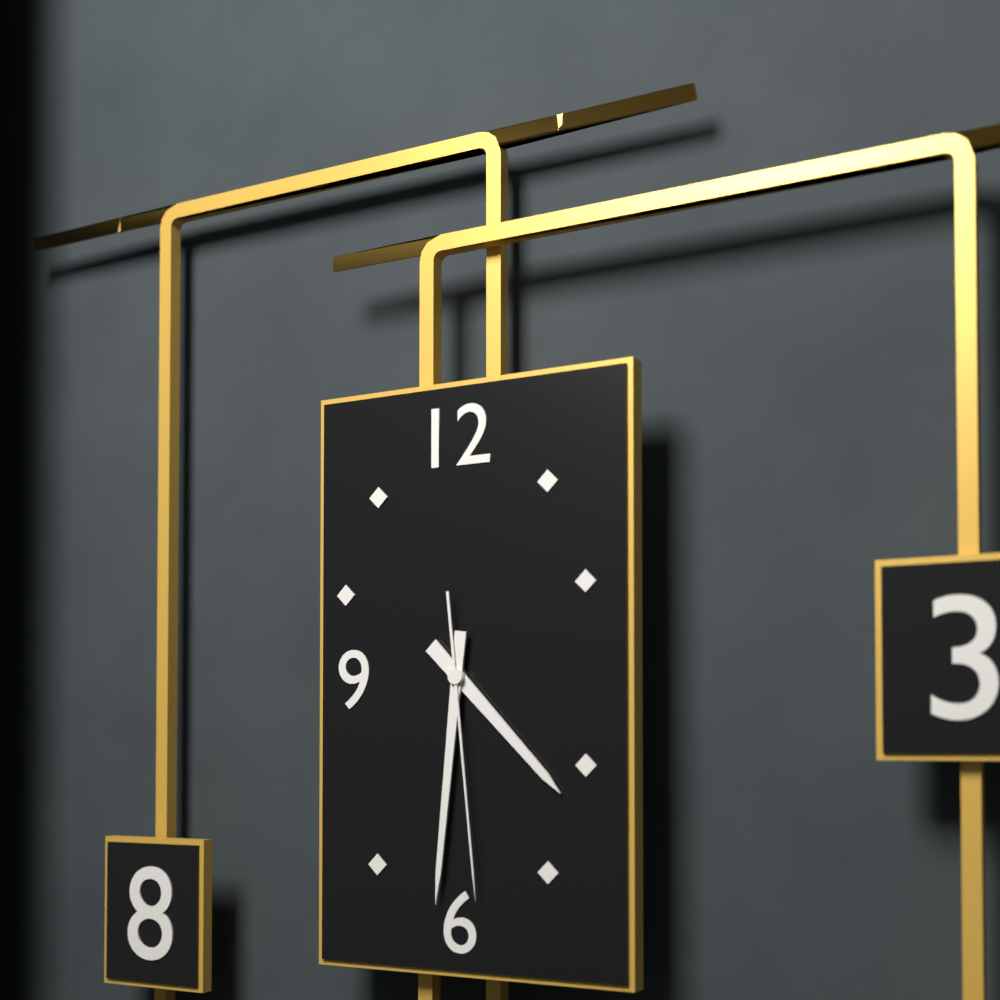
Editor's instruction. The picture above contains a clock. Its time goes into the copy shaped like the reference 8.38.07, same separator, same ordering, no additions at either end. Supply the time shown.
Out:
4.31.29
